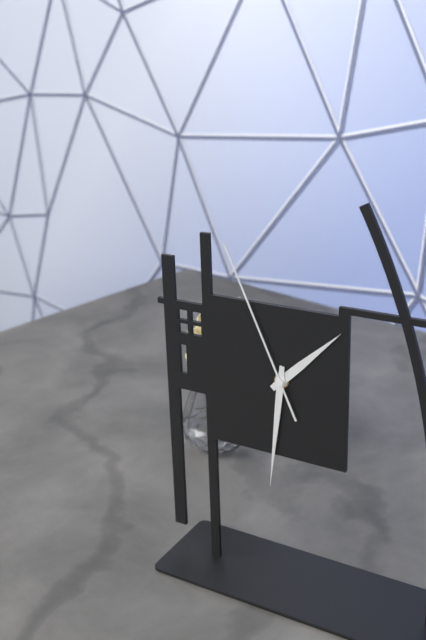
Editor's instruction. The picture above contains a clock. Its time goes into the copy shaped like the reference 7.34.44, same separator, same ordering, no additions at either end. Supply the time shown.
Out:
1.31.56
